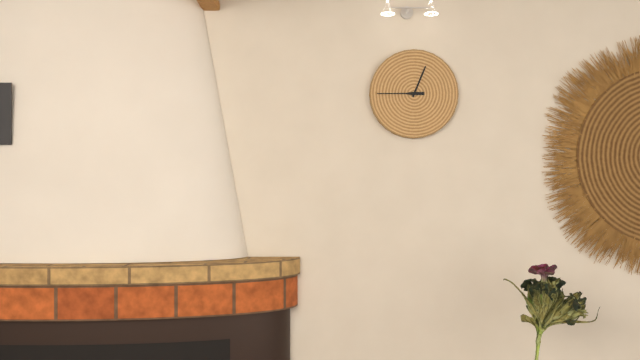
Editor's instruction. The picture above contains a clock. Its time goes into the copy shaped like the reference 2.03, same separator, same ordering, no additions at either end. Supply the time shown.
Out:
12.45
